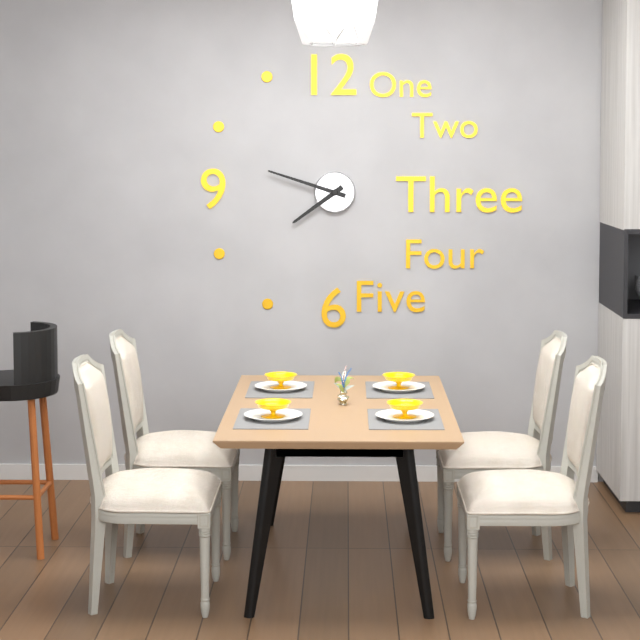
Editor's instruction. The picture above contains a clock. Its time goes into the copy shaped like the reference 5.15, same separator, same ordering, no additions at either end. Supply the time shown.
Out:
7.48
